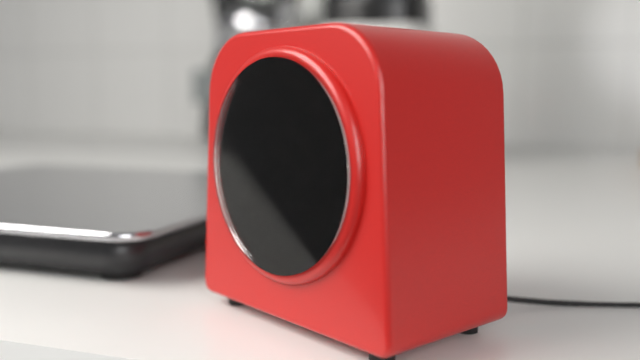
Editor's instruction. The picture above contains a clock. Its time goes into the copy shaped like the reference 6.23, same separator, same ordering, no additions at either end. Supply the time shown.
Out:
11.42
